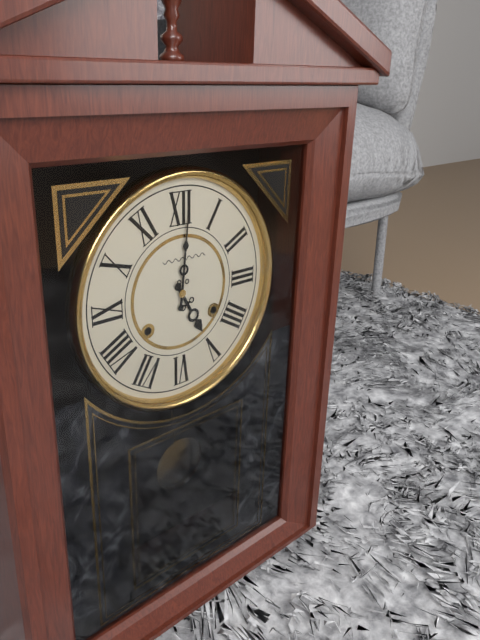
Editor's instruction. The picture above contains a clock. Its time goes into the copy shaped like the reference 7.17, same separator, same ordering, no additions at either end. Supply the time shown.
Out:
5.01
